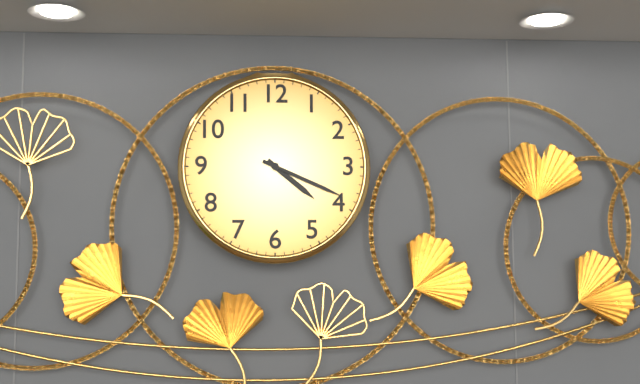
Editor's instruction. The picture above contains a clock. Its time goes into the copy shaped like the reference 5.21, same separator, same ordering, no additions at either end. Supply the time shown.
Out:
4.19
